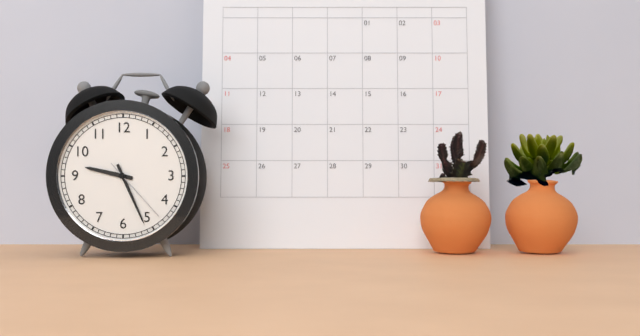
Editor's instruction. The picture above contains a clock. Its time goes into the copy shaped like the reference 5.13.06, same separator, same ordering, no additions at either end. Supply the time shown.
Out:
9.26.23
